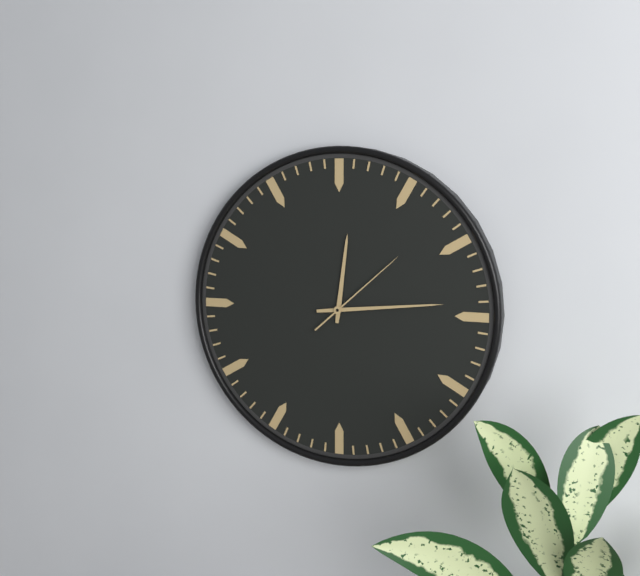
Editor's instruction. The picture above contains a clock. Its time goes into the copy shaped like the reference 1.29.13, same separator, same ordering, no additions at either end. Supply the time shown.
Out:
12.14.08
